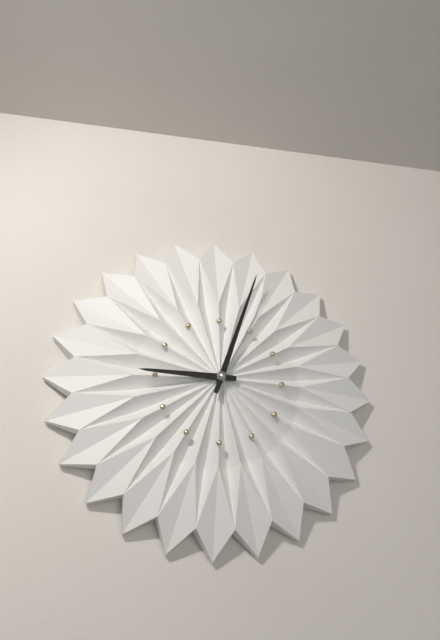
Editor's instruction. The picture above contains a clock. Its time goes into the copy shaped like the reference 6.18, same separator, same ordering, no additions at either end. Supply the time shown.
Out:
9.03
